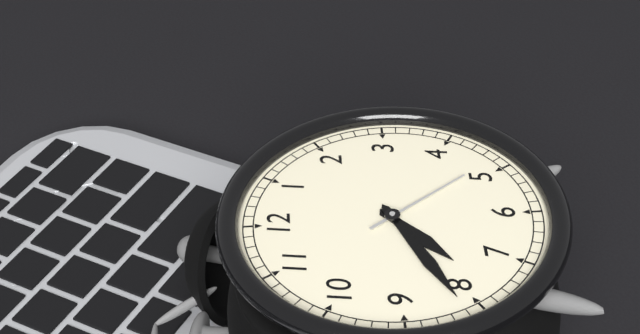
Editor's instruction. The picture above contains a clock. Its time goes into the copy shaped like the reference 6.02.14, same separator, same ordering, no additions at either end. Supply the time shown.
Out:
7.41.24
